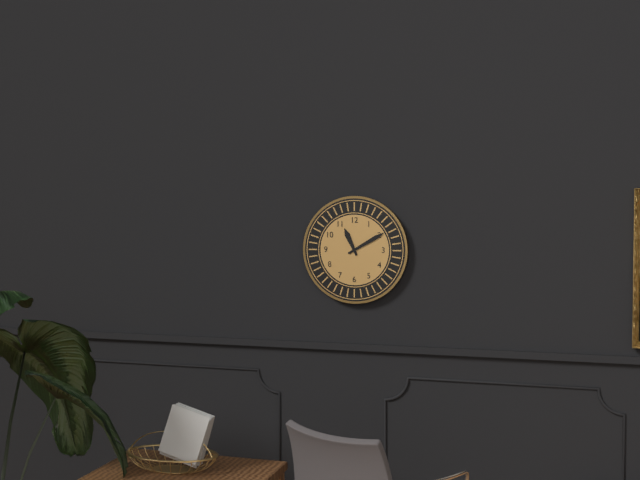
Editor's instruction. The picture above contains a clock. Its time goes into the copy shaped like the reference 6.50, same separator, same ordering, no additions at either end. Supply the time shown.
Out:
11.10
